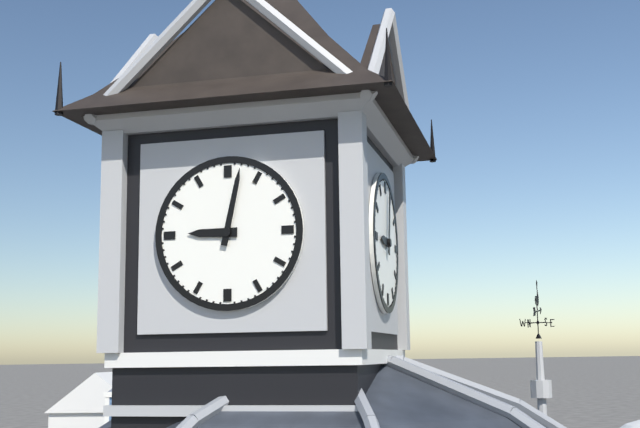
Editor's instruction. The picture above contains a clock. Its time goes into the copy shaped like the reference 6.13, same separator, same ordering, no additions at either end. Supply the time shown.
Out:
9.02
